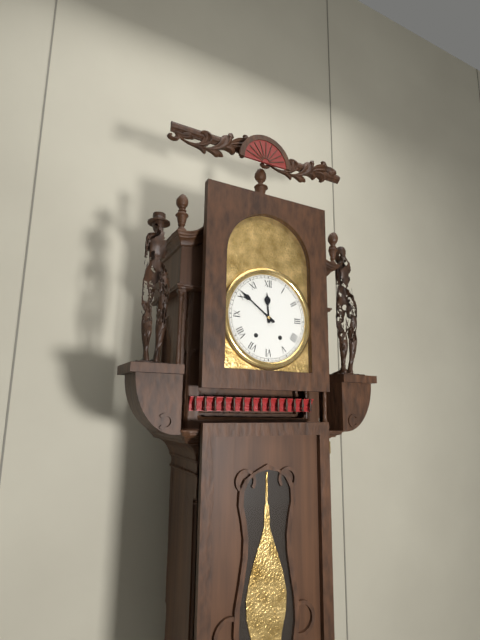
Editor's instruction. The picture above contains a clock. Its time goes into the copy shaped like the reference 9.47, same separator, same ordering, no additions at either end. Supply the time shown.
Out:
11.51
